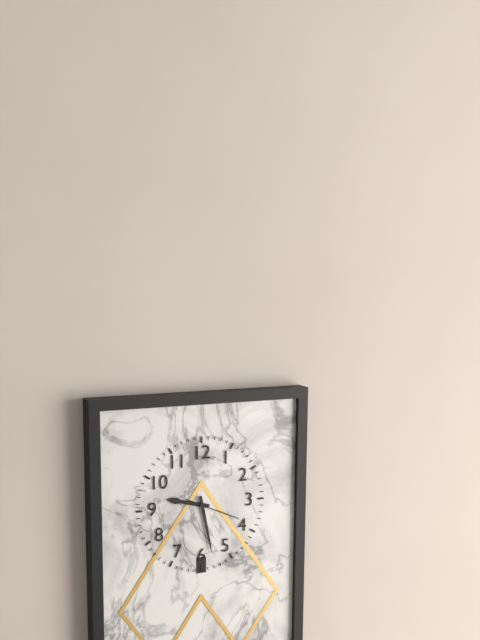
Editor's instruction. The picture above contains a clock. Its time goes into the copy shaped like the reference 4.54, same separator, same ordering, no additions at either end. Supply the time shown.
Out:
9.28
